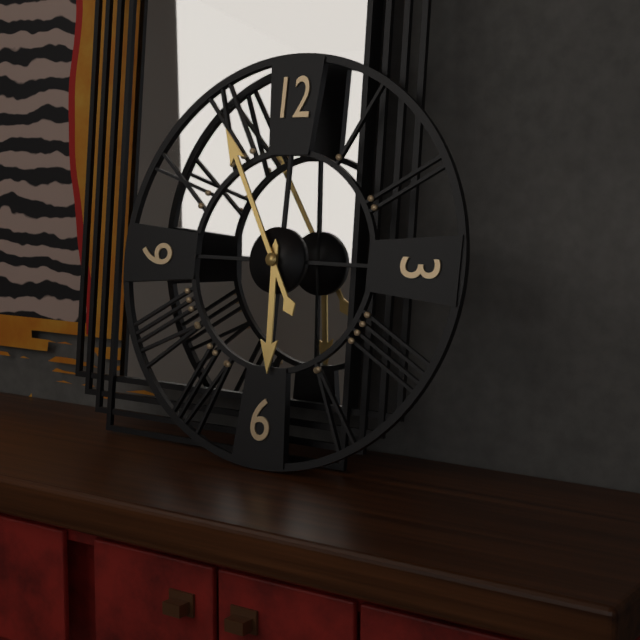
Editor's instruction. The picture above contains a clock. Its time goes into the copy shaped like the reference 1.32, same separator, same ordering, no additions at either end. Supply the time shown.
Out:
5.55
